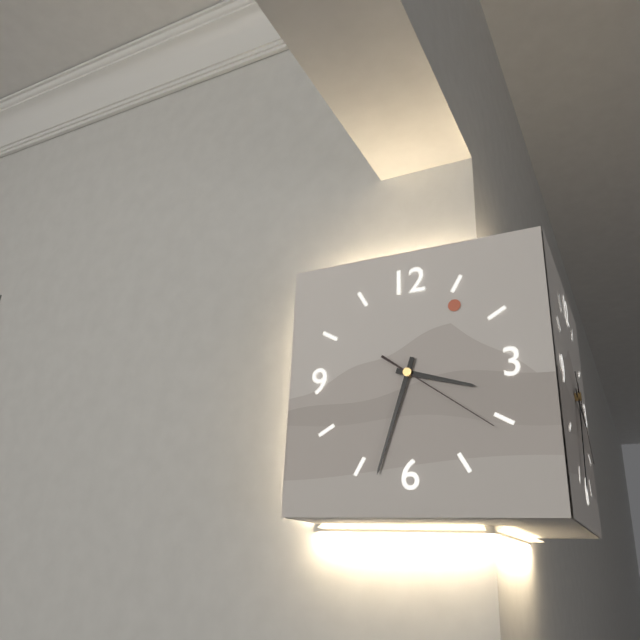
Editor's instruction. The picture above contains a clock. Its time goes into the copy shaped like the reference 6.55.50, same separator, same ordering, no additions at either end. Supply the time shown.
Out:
3.33.21
